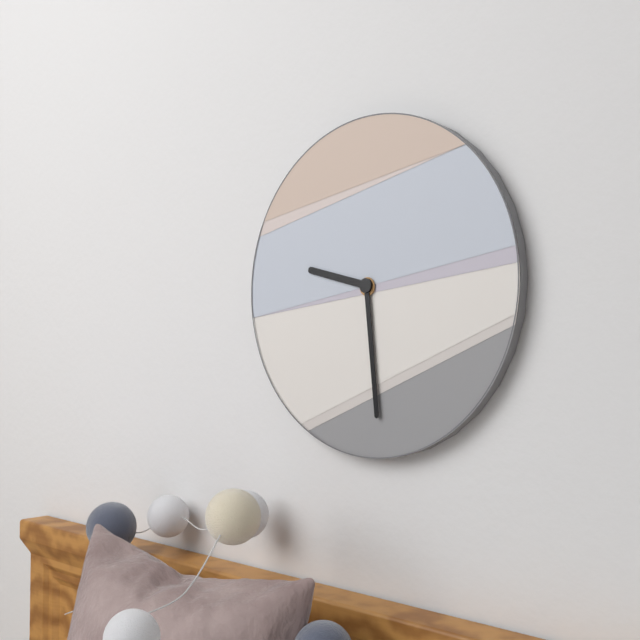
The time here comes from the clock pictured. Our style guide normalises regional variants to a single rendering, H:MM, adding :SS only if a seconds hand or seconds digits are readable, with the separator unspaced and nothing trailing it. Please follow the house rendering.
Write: 9:29
